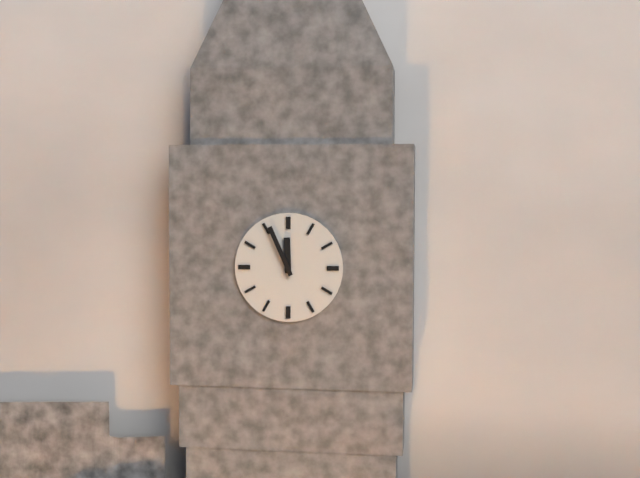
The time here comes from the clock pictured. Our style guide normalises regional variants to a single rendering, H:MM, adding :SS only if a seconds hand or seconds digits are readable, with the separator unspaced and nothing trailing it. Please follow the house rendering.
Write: 11:56
